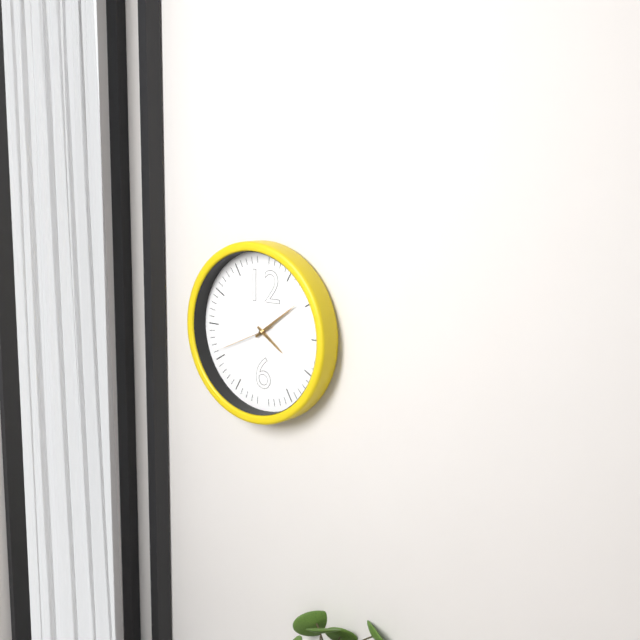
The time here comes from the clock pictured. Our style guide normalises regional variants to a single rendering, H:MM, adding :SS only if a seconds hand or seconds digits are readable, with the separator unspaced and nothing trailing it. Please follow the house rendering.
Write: 4:09:41
